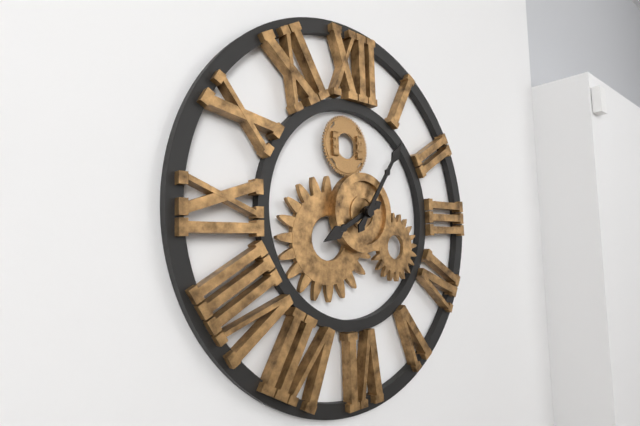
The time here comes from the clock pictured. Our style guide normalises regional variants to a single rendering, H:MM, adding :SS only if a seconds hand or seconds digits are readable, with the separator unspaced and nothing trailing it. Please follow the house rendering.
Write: 8:06
